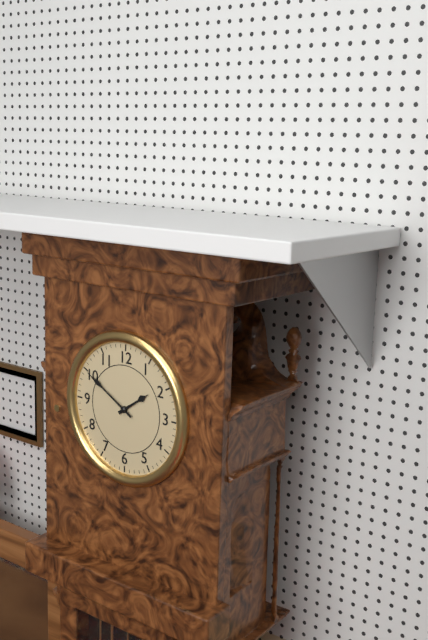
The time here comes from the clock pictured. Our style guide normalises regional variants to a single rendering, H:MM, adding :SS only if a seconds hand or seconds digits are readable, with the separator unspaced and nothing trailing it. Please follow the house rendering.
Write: 1:50
